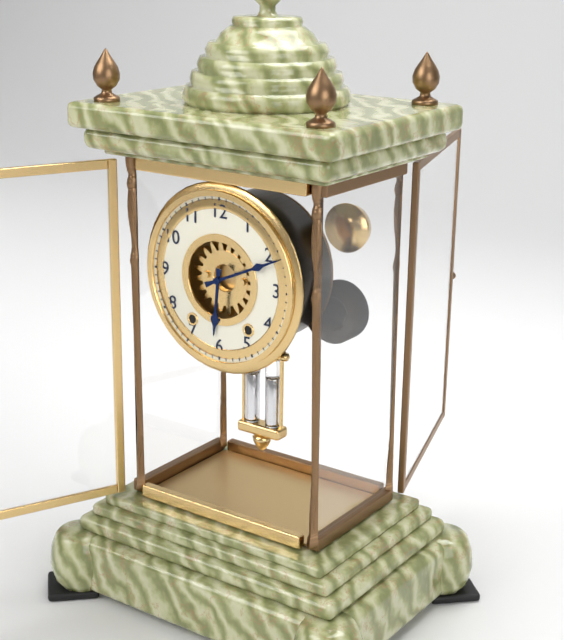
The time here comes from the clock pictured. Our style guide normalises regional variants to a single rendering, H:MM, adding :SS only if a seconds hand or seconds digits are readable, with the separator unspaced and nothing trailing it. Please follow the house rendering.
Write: 6:11
